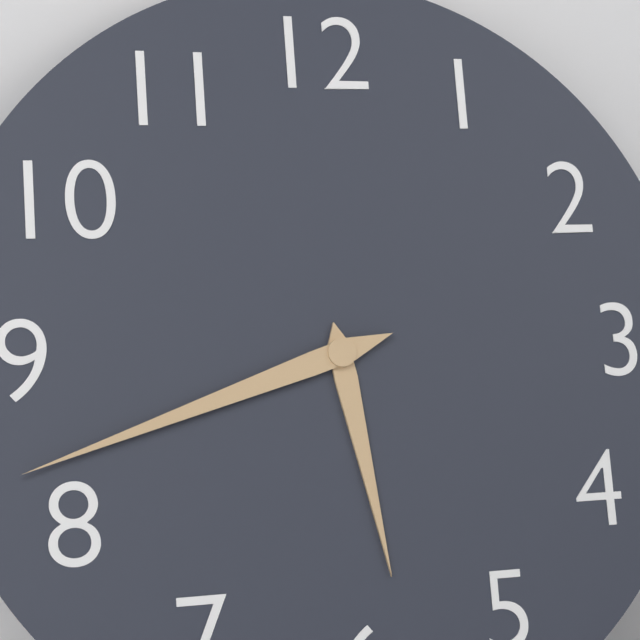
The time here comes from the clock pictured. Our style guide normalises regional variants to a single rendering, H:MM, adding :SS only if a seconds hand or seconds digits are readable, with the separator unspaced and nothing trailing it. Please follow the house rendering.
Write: 5:42
